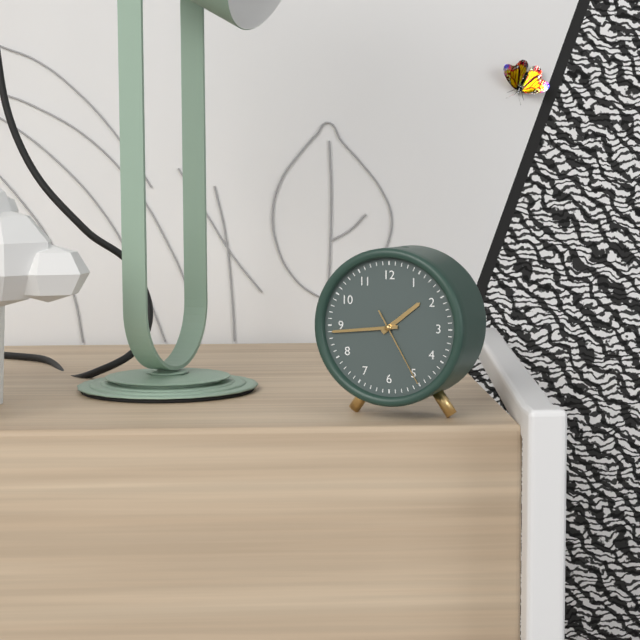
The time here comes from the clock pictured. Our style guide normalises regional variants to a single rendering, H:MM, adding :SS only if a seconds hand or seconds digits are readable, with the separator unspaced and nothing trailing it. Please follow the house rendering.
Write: 1:44:25
